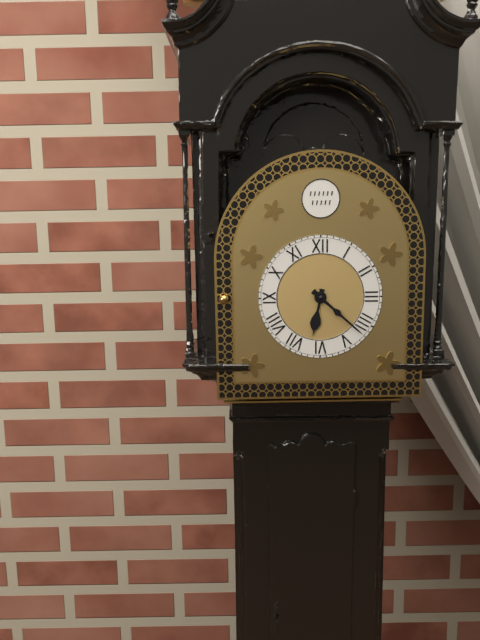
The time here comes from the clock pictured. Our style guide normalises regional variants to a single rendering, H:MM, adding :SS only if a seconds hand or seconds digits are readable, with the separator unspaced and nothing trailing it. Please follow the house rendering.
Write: 6:22
